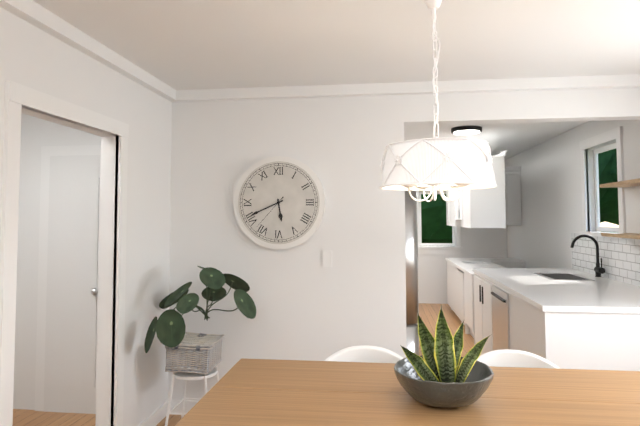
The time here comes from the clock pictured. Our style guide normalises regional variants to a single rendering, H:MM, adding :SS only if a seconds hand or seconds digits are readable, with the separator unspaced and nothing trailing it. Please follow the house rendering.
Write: 5:41
